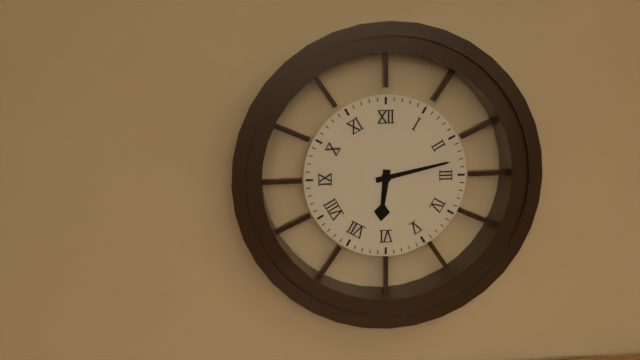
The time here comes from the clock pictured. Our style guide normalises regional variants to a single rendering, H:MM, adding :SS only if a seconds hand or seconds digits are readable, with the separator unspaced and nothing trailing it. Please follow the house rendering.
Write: 6:13
